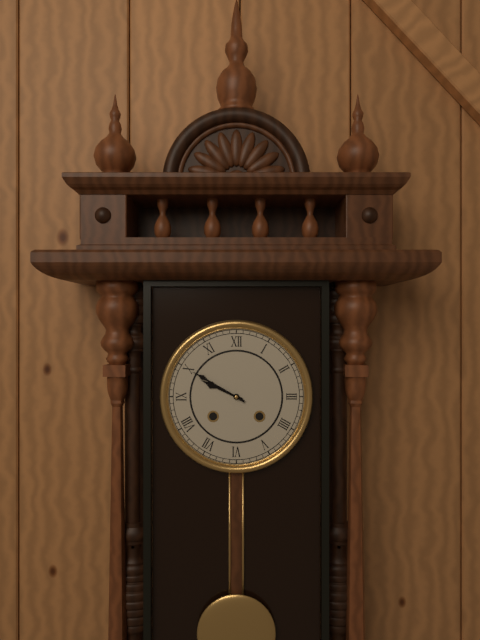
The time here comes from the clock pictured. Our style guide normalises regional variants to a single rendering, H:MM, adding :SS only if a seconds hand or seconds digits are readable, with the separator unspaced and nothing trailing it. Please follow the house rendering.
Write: 9:50
